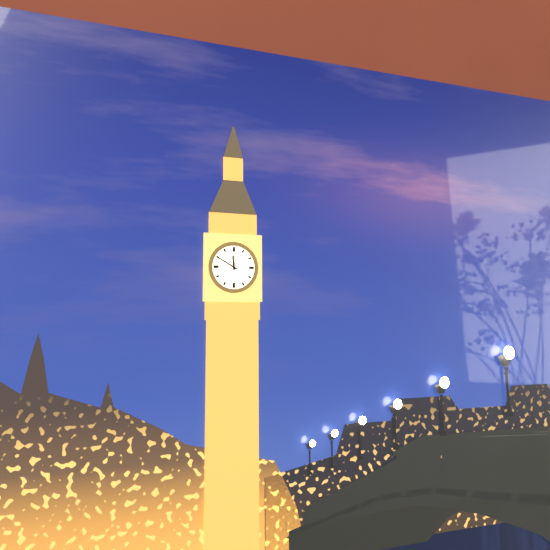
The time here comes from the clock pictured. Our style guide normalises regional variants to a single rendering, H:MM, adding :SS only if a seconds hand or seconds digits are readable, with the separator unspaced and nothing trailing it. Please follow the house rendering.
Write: 11:50
